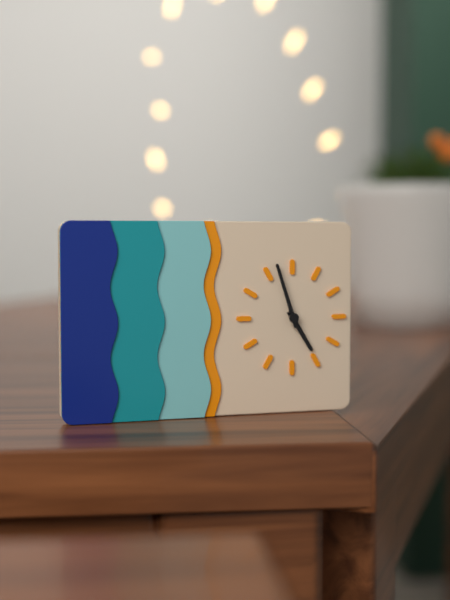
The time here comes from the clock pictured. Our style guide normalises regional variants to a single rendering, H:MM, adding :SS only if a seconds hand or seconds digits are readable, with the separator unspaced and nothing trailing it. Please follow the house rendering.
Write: 4:57
